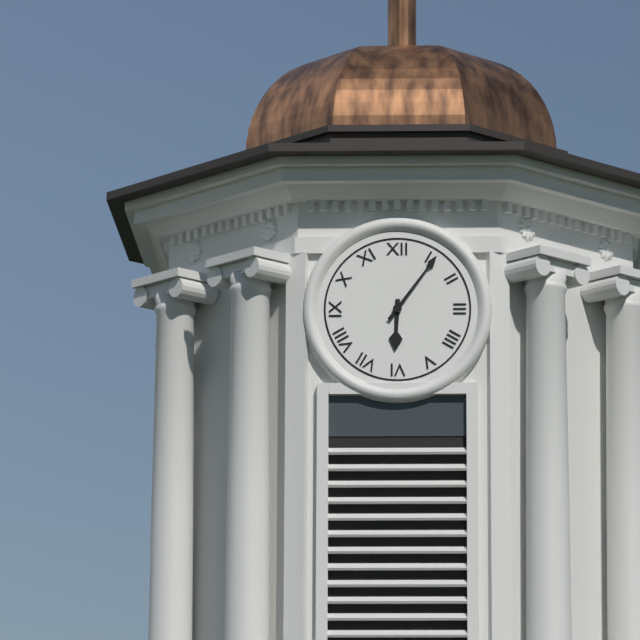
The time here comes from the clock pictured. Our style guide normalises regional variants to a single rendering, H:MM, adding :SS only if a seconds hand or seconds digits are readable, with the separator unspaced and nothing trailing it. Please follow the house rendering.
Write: 6:06
